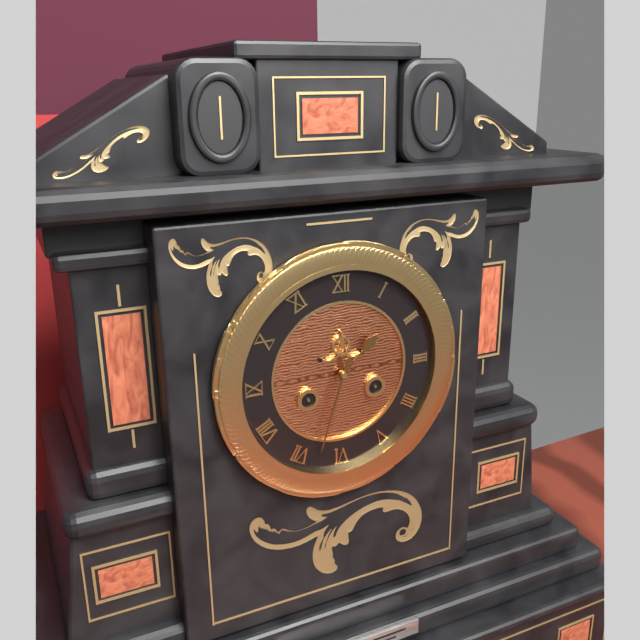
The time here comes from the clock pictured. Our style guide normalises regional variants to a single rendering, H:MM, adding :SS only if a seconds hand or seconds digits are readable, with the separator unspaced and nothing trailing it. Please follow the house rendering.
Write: 1:33
